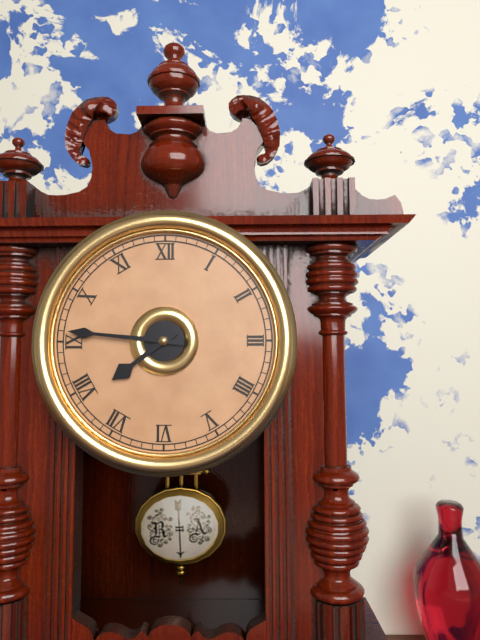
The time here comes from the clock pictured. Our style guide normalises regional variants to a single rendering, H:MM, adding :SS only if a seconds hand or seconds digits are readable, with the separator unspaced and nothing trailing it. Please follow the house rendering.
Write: 7:46
